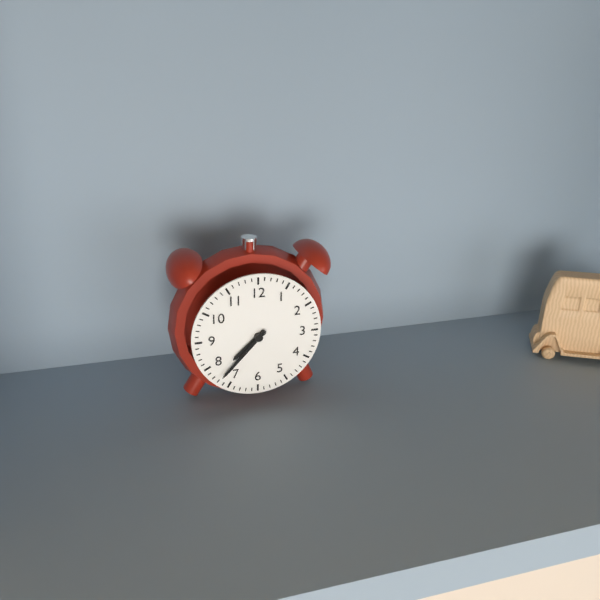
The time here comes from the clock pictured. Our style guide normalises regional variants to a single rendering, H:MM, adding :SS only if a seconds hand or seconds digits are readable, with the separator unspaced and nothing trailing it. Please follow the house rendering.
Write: 7:37
